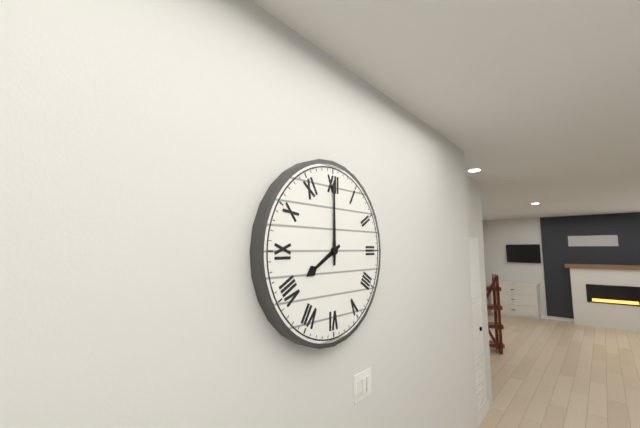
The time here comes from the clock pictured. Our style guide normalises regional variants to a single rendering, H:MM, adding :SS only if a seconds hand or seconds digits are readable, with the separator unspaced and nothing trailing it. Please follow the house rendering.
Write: 8:00
